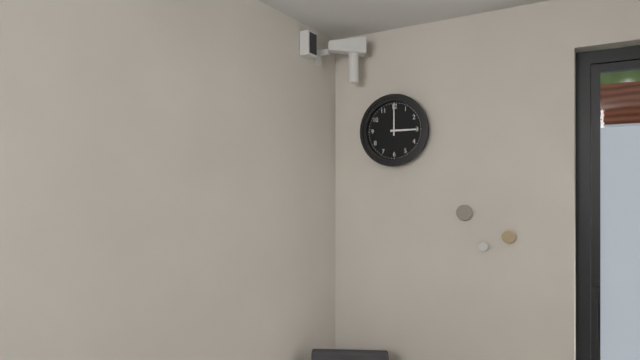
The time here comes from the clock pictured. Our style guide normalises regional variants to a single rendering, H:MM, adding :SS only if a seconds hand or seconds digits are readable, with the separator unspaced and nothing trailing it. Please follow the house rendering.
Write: 3:00
